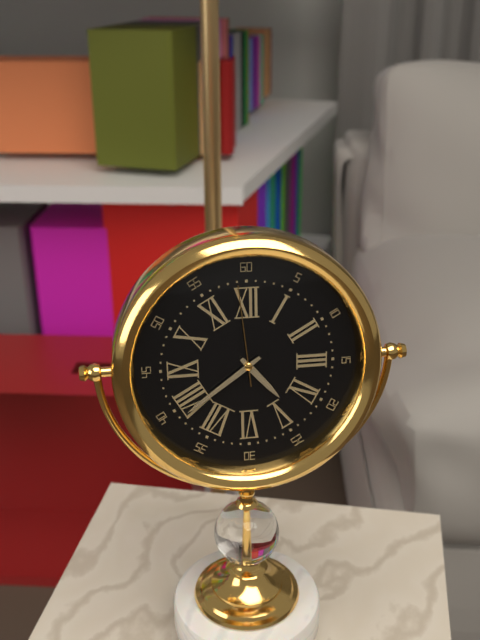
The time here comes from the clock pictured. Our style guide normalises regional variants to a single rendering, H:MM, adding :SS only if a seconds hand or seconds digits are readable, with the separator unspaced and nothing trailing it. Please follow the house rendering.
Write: 4:39:59
